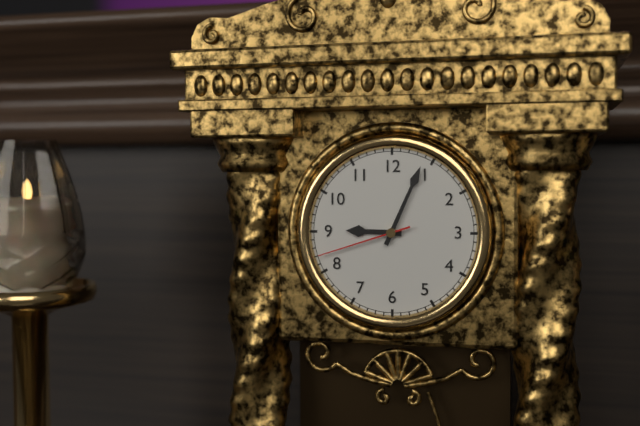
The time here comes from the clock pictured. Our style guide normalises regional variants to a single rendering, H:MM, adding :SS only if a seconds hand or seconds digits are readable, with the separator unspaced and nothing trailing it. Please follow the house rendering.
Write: 9:04:42
